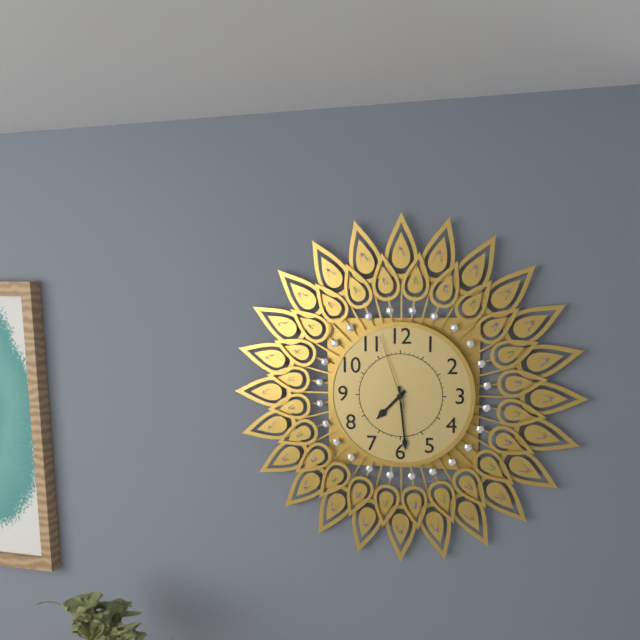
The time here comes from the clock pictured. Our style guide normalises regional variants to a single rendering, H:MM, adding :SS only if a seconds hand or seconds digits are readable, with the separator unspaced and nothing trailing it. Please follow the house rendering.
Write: 7:29:57
